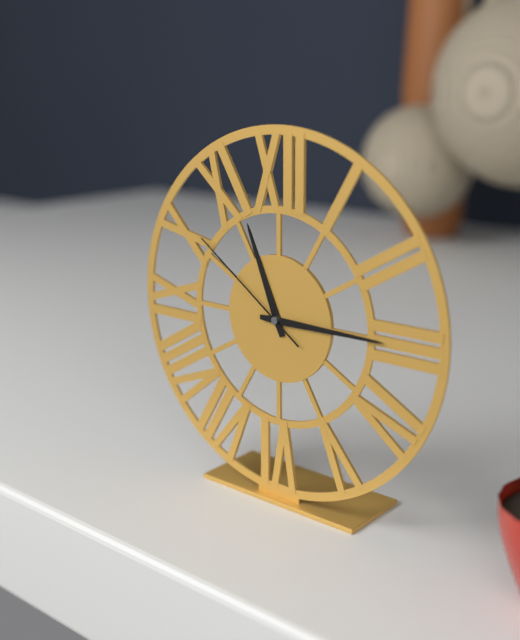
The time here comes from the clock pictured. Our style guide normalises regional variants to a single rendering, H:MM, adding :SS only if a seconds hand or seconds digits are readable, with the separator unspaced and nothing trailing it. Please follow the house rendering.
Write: 11:15:51
